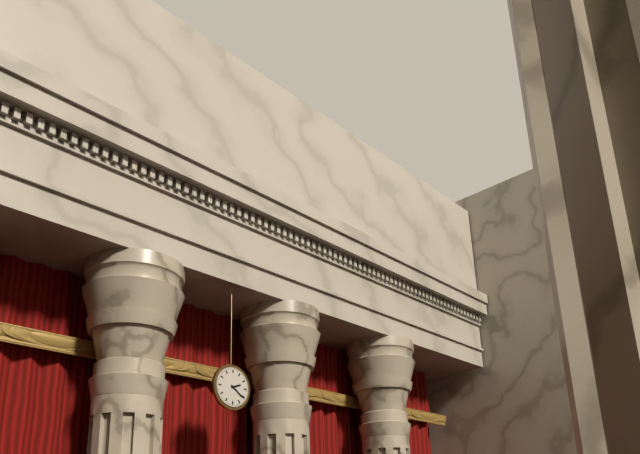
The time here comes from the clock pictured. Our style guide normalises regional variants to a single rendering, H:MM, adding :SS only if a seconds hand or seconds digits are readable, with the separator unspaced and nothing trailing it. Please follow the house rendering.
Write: 2:21
